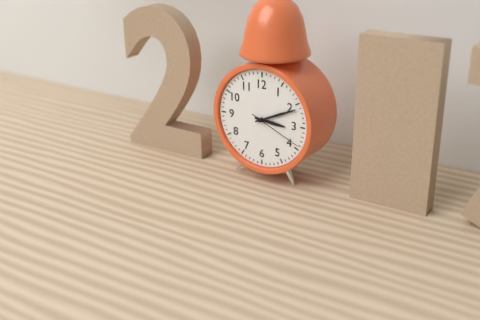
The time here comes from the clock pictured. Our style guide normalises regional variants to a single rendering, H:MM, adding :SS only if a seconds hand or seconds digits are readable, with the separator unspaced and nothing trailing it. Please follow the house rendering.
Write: 3:11:19
